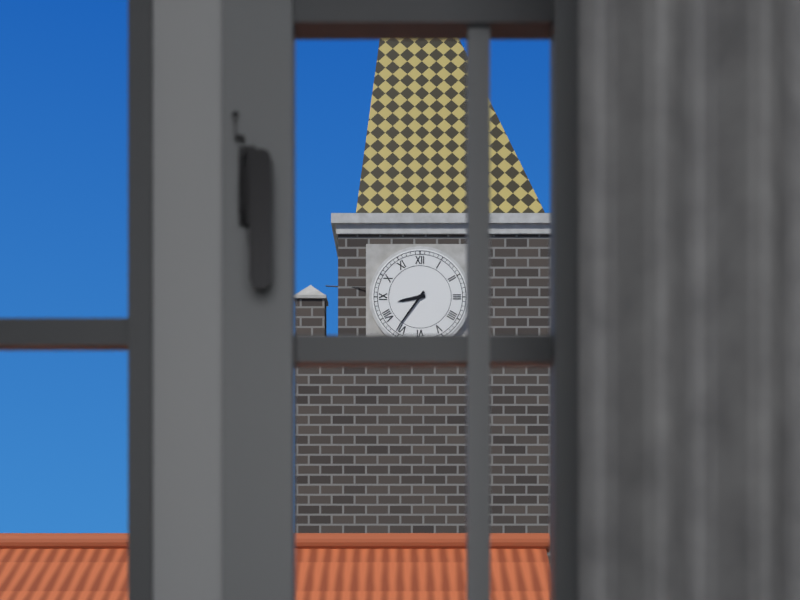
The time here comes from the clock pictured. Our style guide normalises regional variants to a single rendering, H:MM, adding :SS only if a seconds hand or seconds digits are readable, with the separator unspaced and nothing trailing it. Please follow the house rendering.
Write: 8:36
